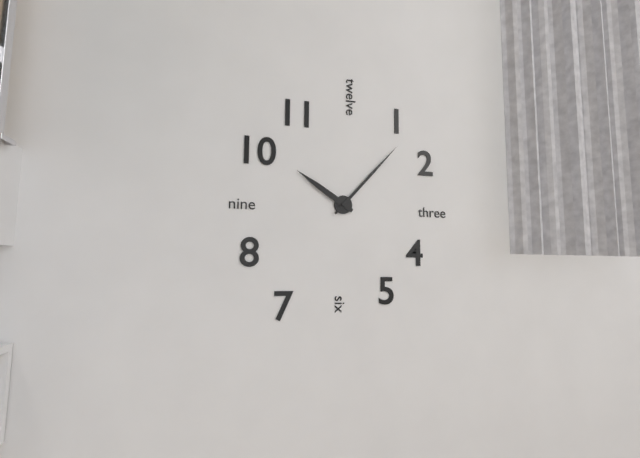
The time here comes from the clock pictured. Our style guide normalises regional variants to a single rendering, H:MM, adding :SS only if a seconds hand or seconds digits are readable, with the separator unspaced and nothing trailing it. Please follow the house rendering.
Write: 10:07
